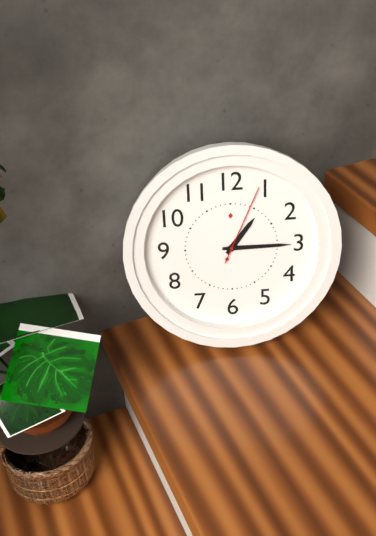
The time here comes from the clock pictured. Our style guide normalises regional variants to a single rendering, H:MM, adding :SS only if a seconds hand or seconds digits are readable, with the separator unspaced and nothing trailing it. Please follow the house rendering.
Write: 1:15:04
